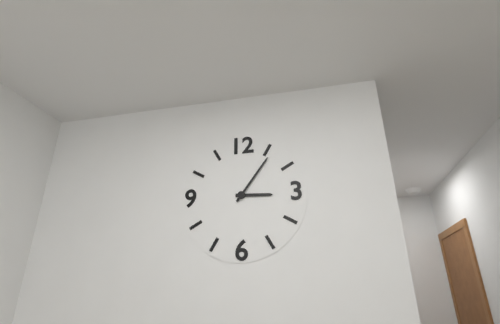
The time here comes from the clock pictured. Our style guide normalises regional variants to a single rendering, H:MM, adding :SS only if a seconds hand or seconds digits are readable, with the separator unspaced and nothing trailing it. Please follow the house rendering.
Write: 3:06
